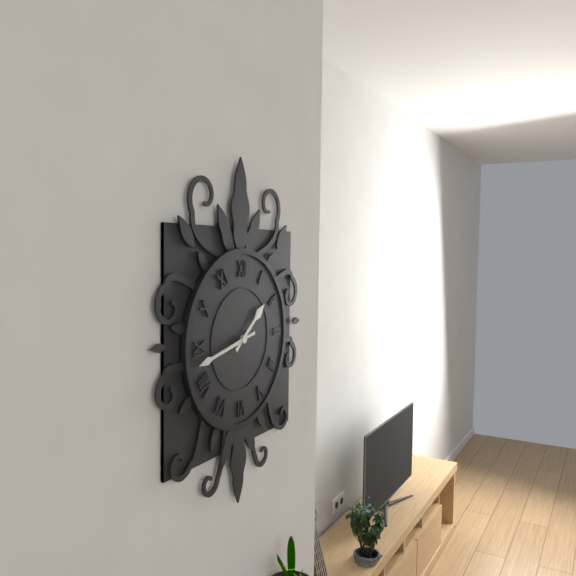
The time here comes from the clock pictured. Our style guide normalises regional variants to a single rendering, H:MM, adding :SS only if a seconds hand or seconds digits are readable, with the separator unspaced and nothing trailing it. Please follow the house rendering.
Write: 1:43
